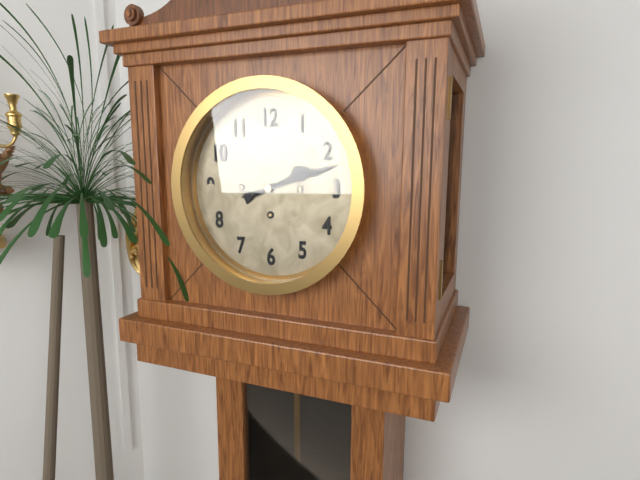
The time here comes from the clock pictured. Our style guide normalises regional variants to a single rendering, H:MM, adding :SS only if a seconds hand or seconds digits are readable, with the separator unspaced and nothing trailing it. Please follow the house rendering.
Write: 2:12
